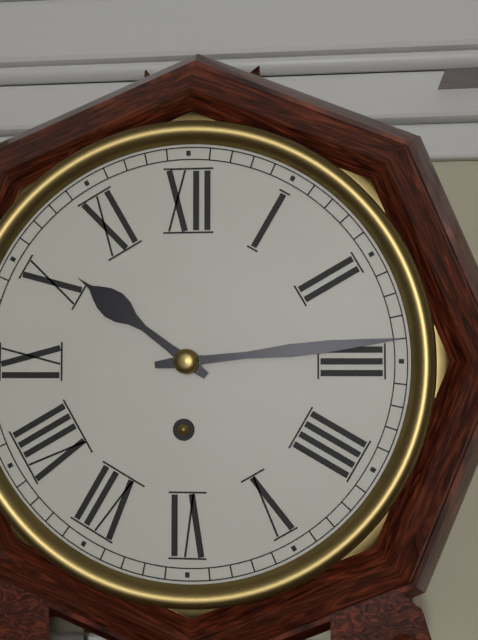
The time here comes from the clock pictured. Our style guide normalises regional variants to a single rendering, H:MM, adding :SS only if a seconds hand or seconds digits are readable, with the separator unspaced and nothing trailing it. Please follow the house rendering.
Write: 10:14
